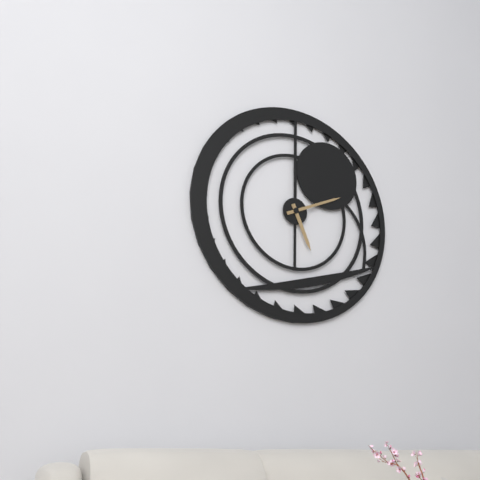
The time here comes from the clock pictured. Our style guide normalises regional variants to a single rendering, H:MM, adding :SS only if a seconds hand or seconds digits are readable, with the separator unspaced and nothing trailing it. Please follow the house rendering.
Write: 5:11
